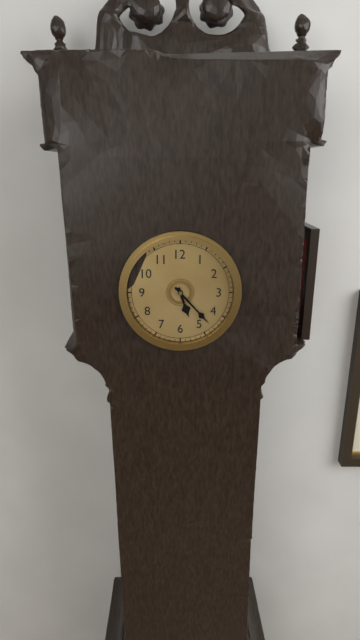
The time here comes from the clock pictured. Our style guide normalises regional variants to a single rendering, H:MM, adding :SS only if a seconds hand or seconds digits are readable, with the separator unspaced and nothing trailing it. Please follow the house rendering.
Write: 5:23
